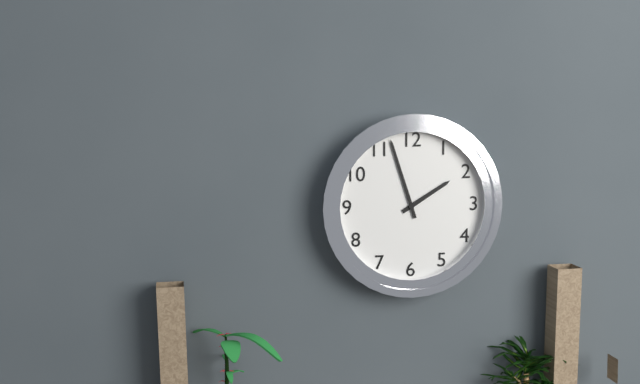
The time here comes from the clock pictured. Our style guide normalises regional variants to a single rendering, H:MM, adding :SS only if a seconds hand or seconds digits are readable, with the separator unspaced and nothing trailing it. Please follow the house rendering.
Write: 1:57
